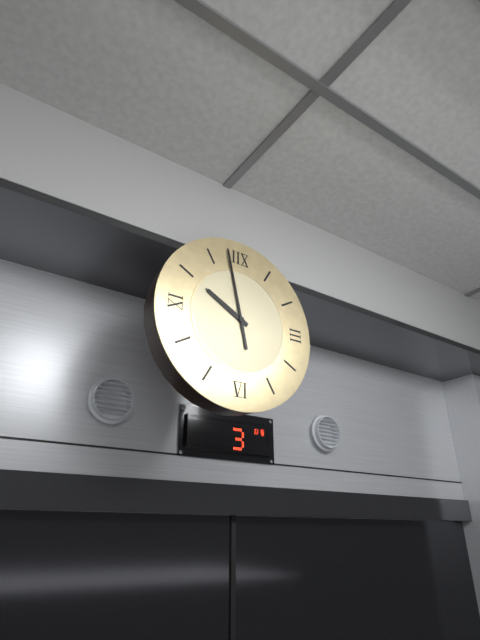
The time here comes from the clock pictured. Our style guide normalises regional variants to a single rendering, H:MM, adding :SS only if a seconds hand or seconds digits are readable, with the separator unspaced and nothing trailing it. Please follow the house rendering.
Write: 9:58
